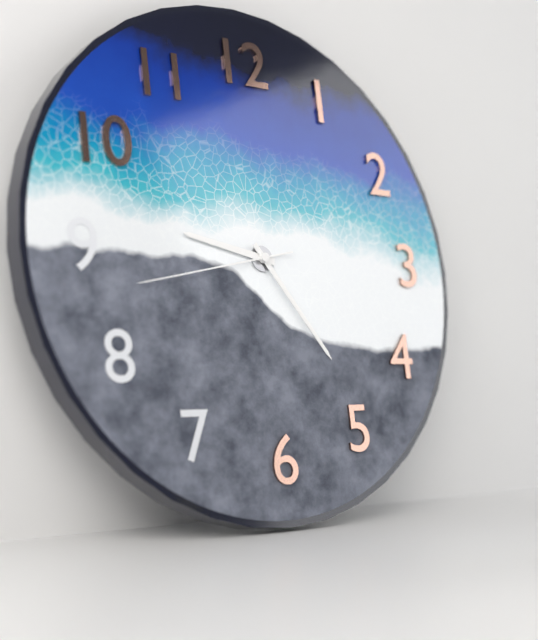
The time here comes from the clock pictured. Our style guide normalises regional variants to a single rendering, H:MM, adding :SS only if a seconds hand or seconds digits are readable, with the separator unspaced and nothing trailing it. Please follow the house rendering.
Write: 9:24:43
